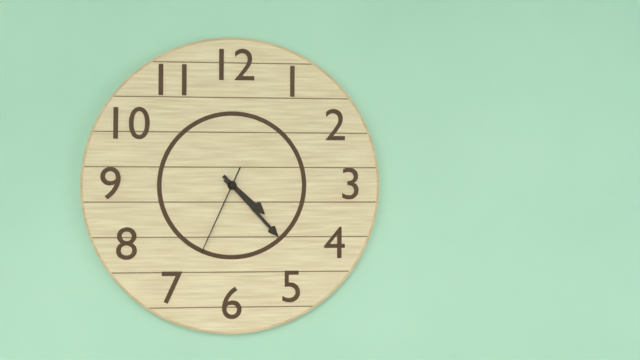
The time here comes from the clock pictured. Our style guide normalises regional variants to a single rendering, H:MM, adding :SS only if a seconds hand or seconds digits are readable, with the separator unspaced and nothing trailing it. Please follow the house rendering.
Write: 4:23:34
